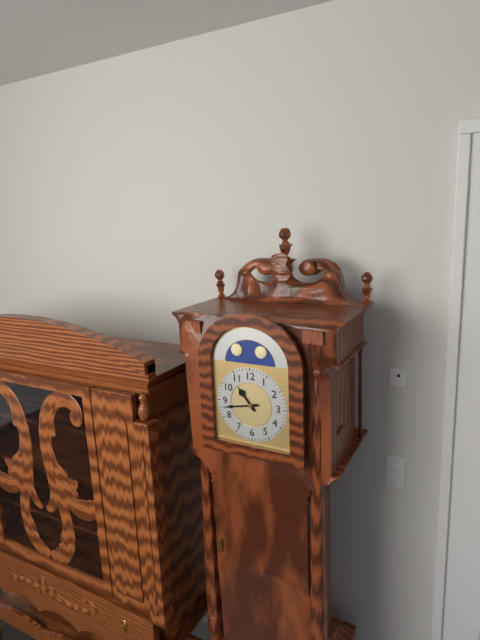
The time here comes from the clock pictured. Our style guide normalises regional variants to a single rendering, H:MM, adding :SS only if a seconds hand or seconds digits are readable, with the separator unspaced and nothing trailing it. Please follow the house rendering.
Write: 10:43
